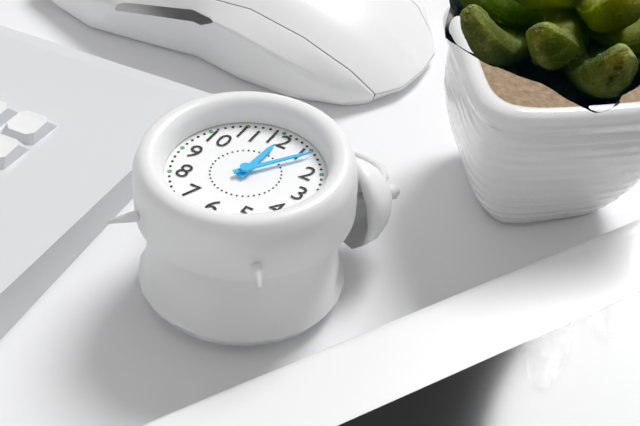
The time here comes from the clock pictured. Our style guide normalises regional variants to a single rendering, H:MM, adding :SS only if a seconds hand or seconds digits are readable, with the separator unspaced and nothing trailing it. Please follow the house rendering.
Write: 12:06
